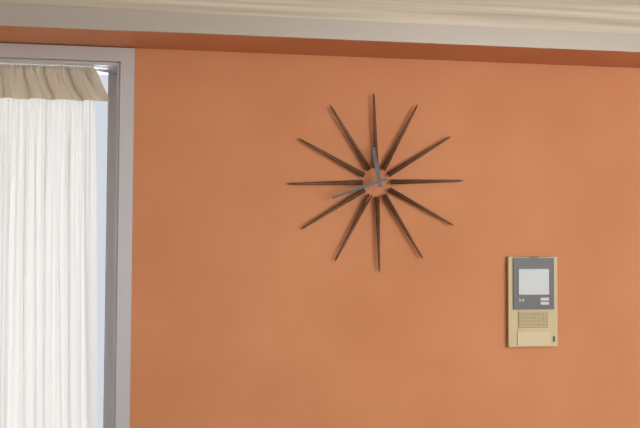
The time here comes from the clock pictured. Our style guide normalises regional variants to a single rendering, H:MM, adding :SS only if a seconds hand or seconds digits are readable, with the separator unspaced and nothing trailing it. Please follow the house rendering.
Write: 11:42
